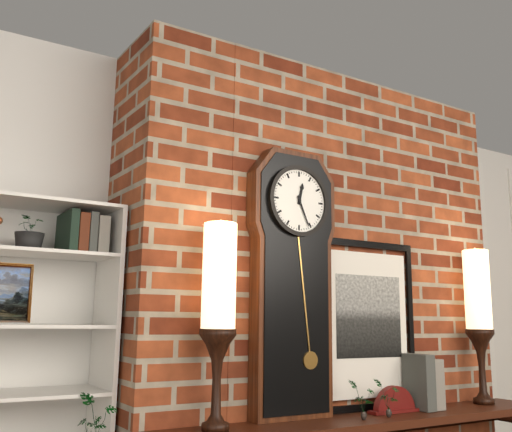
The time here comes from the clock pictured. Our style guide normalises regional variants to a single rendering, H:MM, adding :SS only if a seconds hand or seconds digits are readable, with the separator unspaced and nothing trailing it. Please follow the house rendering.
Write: 12:26
